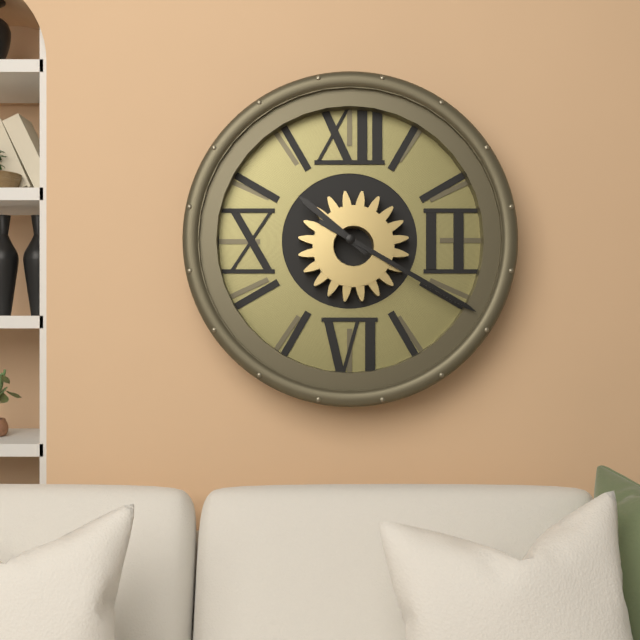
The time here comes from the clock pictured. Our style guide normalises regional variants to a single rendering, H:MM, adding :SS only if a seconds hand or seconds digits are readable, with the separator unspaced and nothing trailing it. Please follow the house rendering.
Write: 10:20
